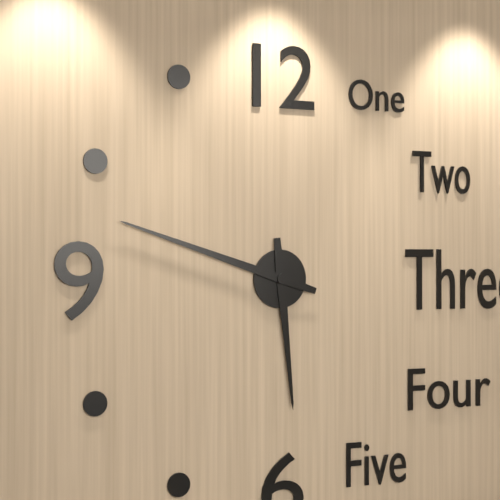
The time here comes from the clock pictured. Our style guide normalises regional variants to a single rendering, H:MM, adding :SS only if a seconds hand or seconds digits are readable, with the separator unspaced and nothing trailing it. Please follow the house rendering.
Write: 5:48
